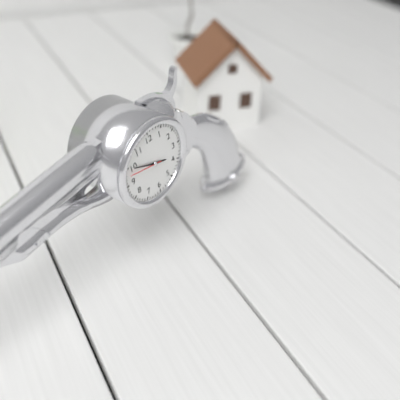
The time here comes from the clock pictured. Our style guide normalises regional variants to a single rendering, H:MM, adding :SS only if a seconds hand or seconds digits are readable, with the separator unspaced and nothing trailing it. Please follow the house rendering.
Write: 3:50
